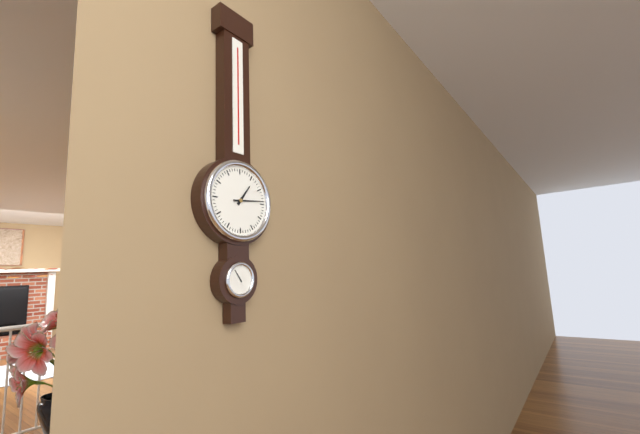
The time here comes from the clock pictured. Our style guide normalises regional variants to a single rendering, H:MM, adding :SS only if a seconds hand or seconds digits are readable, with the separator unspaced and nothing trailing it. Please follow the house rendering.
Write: 1:14
